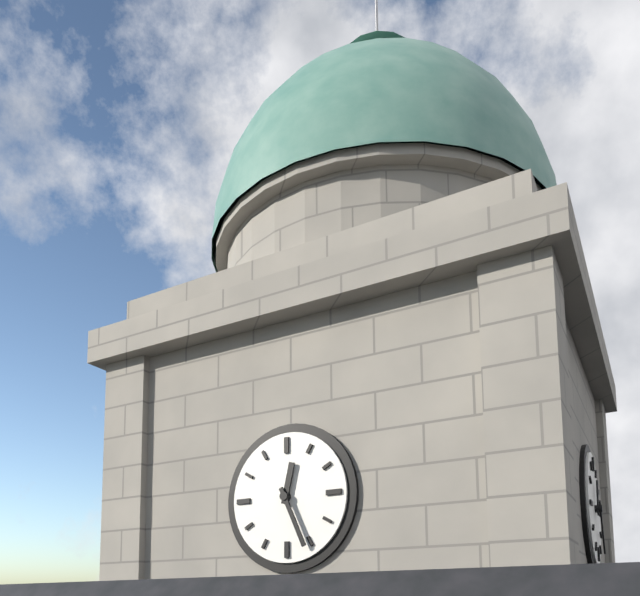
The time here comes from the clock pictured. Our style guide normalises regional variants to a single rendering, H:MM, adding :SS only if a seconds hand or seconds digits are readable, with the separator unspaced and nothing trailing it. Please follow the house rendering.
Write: 12:26
